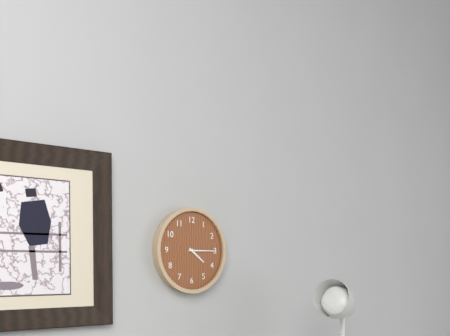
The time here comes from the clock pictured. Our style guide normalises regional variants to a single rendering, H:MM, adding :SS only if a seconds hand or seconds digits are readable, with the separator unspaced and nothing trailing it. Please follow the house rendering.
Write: 4:15
